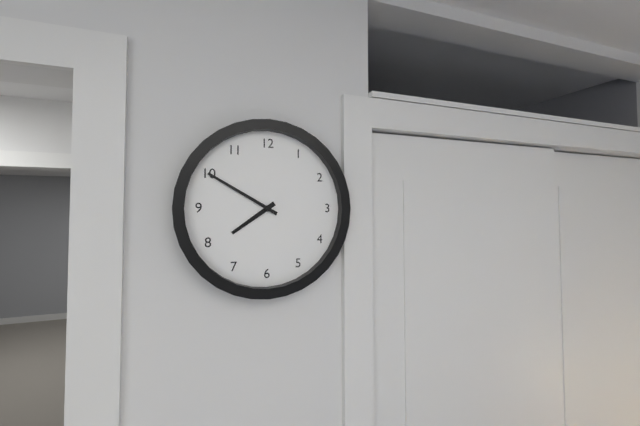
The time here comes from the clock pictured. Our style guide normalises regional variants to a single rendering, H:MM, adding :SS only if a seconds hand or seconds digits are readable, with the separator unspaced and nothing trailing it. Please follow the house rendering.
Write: 7:50
